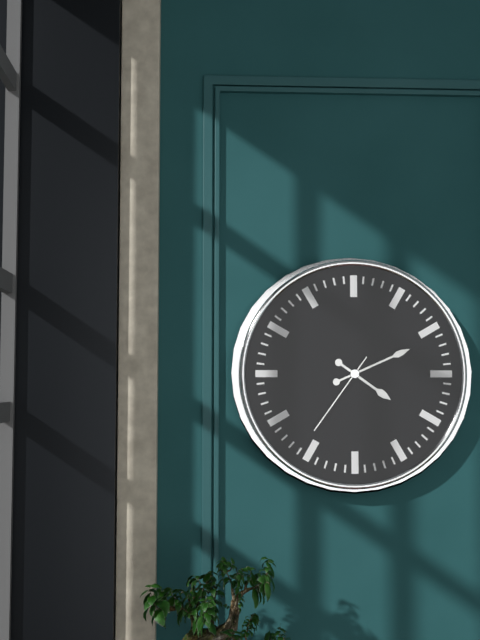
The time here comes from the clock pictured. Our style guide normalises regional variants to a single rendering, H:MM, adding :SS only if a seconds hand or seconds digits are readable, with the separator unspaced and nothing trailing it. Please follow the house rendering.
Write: 4:11:36
